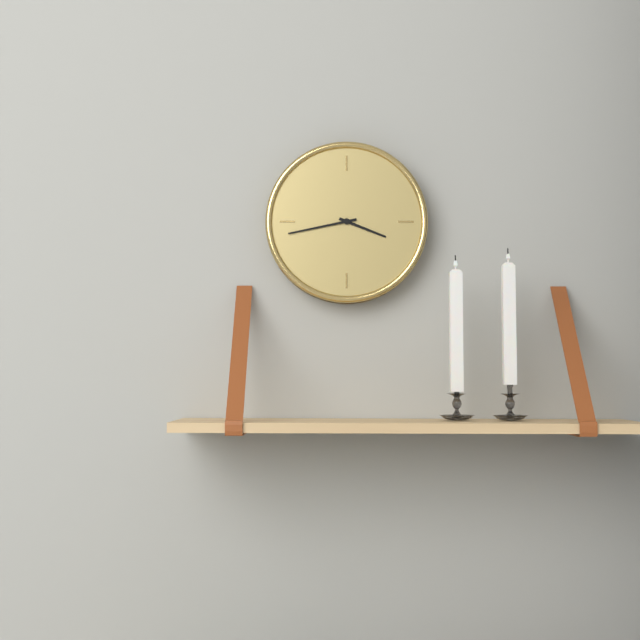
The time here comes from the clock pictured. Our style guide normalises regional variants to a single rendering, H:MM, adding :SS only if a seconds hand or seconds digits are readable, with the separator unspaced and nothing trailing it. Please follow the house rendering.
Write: 3:43
